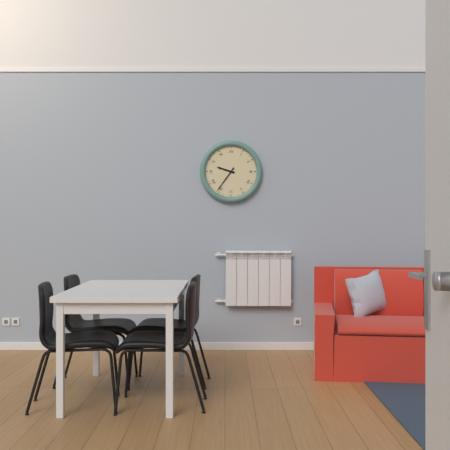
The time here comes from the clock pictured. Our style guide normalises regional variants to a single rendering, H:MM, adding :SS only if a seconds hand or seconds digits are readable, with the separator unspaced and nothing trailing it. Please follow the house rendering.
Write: 9:36
